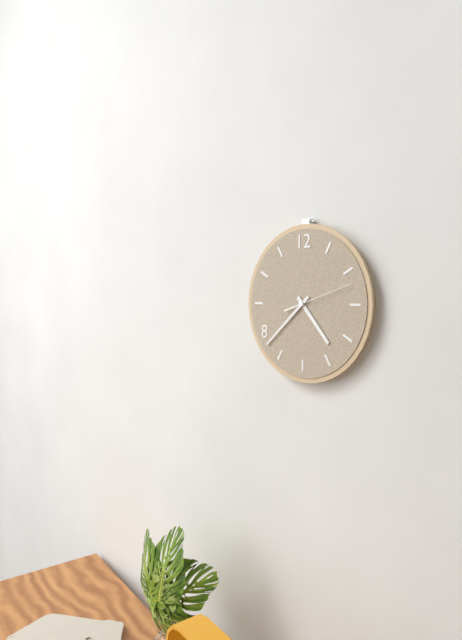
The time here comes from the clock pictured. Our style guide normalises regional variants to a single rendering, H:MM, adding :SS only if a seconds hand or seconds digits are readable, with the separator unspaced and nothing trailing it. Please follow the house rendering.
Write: 4:38:12
